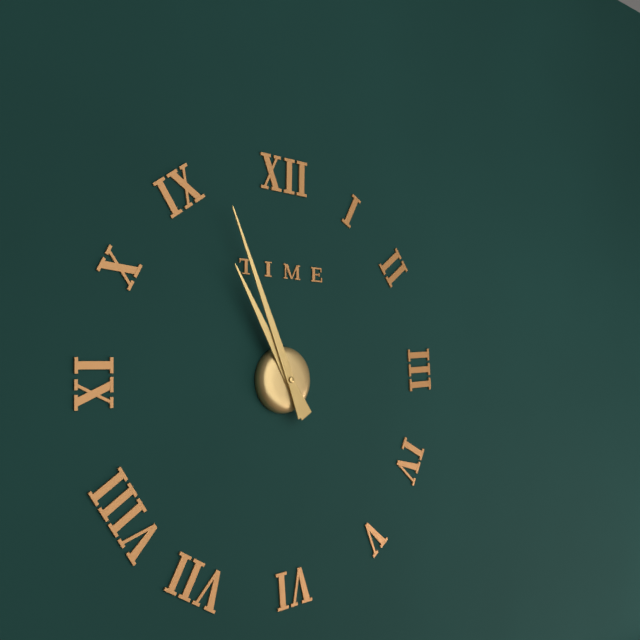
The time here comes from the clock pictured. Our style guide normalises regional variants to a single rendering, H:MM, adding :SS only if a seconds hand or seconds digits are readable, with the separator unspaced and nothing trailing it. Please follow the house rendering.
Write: 10:56
